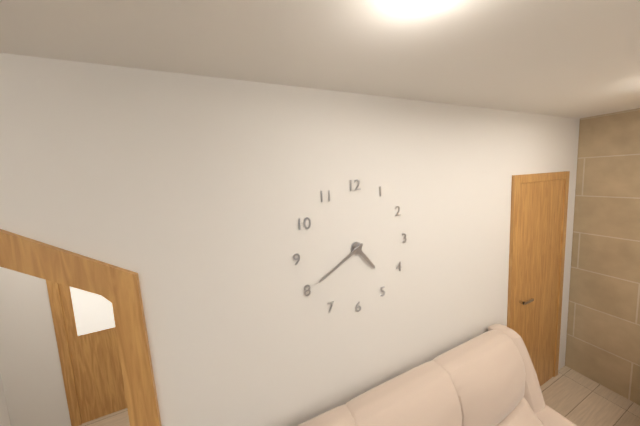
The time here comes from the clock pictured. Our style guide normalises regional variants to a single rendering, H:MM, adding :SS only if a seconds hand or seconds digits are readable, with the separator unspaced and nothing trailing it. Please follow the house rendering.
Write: 4:40
